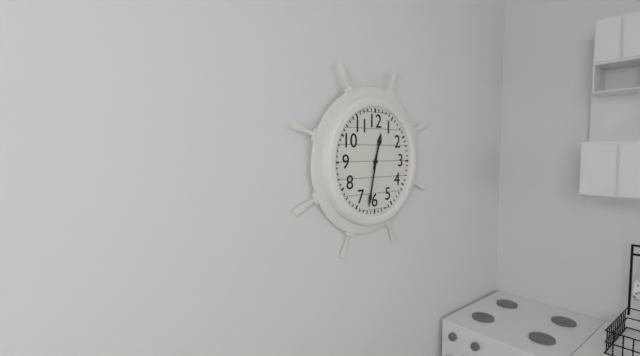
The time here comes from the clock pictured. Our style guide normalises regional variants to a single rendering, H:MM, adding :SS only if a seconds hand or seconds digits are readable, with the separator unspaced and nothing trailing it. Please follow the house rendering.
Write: 12:32
